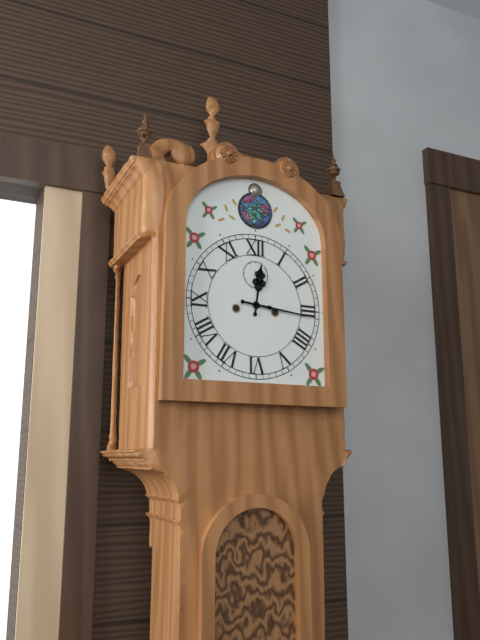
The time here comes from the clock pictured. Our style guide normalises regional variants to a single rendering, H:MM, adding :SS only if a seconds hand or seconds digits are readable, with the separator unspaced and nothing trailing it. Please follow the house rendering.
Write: 12:16
